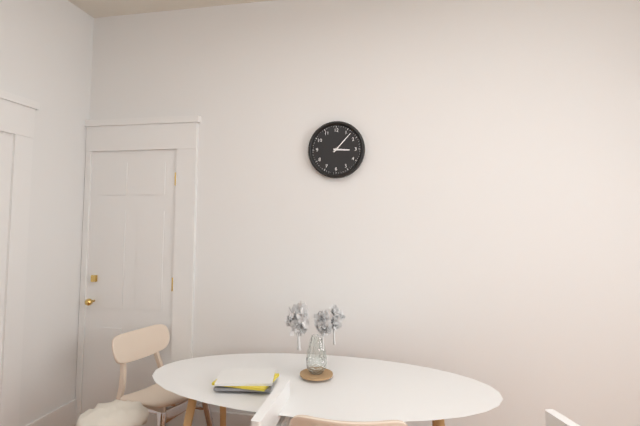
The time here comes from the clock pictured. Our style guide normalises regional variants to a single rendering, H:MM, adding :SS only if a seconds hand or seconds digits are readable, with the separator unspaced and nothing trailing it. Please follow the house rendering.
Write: 3:07
